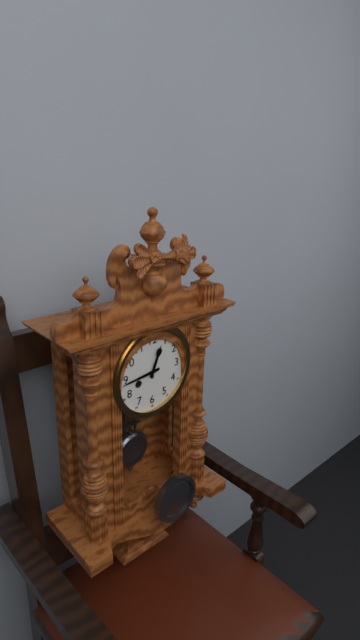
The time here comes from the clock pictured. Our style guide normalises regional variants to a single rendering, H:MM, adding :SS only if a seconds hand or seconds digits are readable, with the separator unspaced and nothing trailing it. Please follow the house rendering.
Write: 12:44
